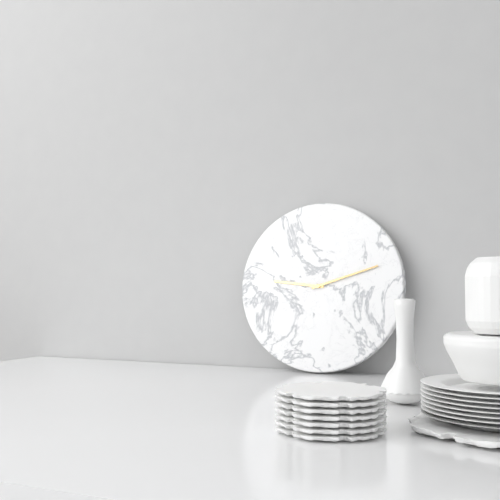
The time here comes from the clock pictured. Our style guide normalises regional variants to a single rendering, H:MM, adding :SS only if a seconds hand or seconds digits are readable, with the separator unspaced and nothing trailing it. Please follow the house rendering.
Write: 9:12
